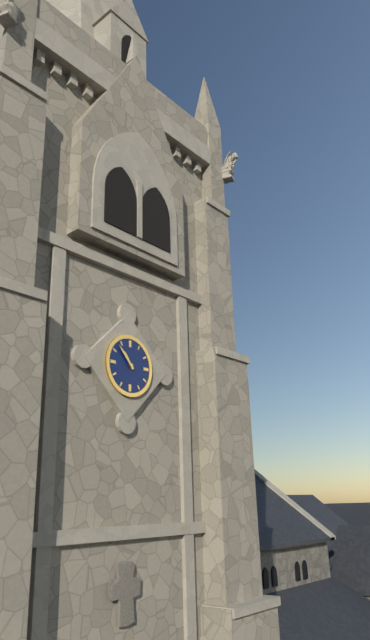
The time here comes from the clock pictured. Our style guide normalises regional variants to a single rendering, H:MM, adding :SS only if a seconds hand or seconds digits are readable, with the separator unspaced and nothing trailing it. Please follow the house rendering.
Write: 10:53
